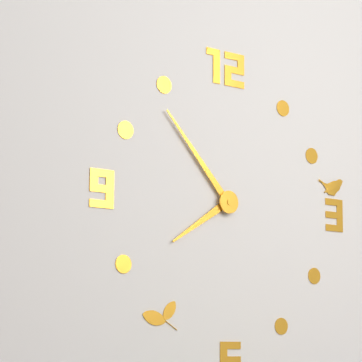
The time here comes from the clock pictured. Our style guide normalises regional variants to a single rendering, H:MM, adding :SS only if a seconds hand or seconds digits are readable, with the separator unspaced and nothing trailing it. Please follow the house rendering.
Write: 7:53
